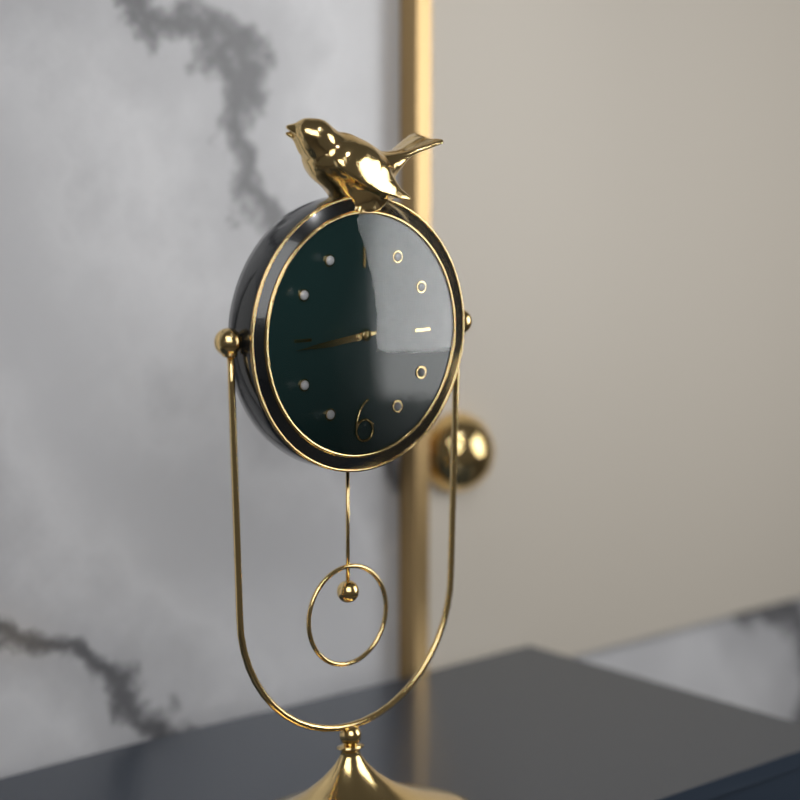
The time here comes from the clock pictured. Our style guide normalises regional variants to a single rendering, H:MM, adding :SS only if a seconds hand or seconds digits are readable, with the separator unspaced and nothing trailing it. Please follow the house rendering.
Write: 8:44
